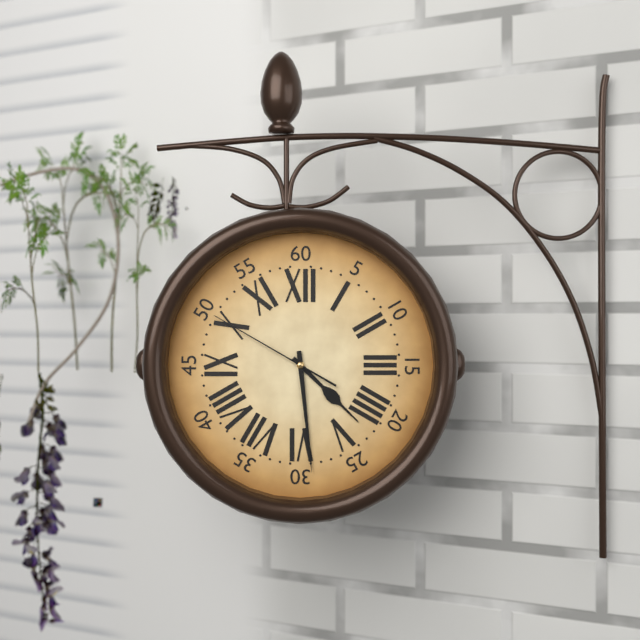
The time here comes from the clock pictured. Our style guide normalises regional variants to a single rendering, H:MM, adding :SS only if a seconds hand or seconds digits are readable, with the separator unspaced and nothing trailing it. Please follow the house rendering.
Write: 4:29:50
